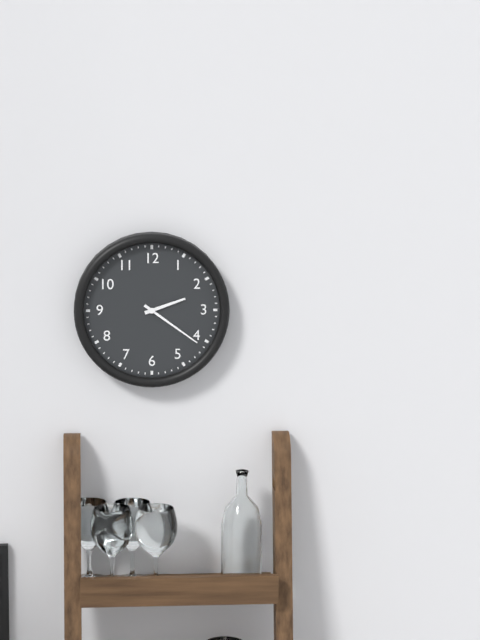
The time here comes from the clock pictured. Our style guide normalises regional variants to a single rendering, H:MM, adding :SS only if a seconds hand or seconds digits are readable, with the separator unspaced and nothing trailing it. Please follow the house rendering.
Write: 2:21
